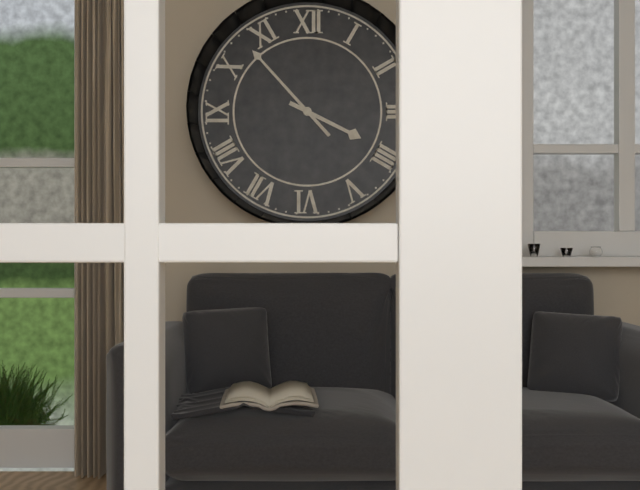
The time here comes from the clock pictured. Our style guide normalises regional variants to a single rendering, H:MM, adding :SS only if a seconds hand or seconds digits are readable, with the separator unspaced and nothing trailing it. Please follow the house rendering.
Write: 3:53
